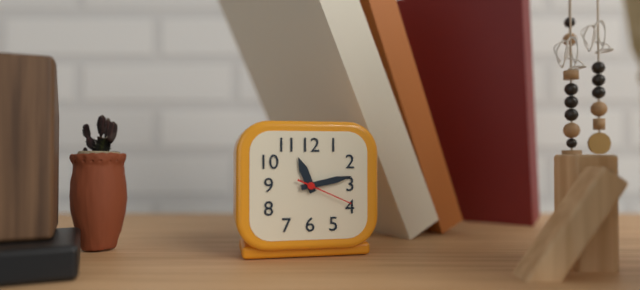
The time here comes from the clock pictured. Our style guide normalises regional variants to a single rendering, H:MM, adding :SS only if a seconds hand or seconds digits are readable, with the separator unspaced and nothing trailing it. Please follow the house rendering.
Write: 11:13:19
